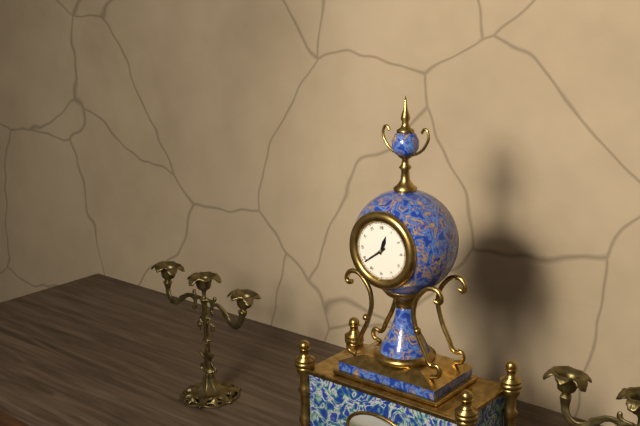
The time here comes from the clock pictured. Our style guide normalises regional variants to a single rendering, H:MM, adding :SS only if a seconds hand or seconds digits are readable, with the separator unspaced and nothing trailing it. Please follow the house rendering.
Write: 12:39
